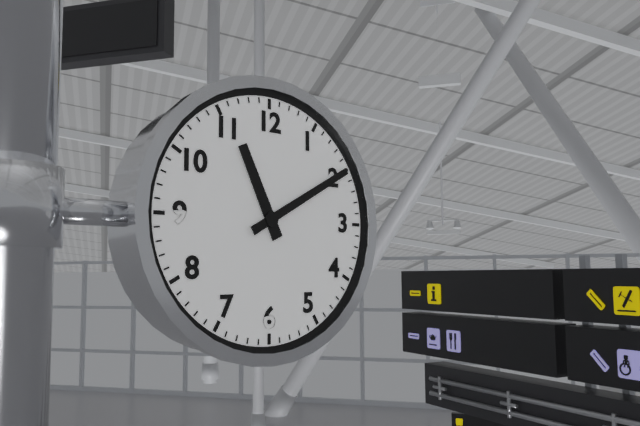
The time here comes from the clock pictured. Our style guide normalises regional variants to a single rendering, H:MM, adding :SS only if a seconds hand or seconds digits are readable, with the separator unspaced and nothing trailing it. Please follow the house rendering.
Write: 11:10
